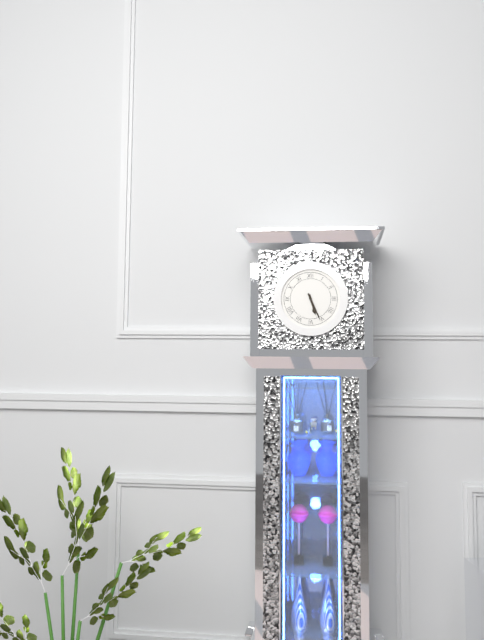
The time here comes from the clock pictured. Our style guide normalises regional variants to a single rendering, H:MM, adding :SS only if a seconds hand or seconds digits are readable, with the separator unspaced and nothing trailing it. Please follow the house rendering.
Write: 5:26
